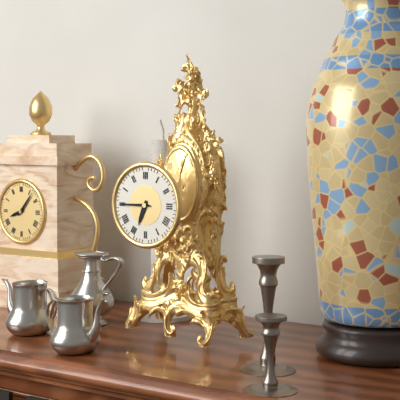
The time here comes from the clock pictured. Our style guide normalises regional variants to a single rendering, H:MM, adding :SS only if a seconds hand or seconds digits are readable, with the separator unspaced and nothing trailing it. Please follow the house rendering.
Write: 6:45
